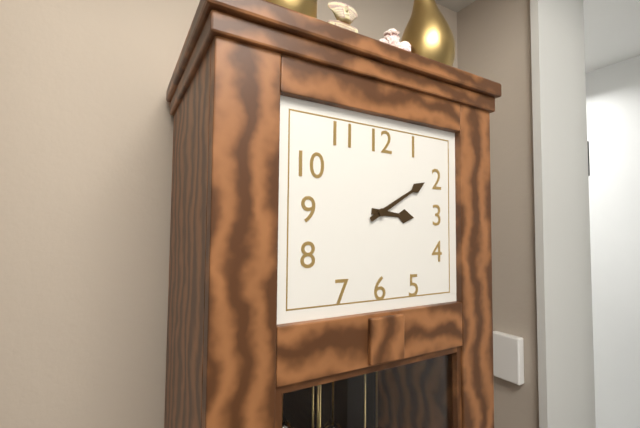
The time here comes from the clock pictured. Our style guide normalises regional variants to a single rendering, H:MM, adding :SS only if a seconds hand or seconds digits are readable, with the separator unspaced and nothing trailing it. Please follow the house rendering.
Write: 3:10
